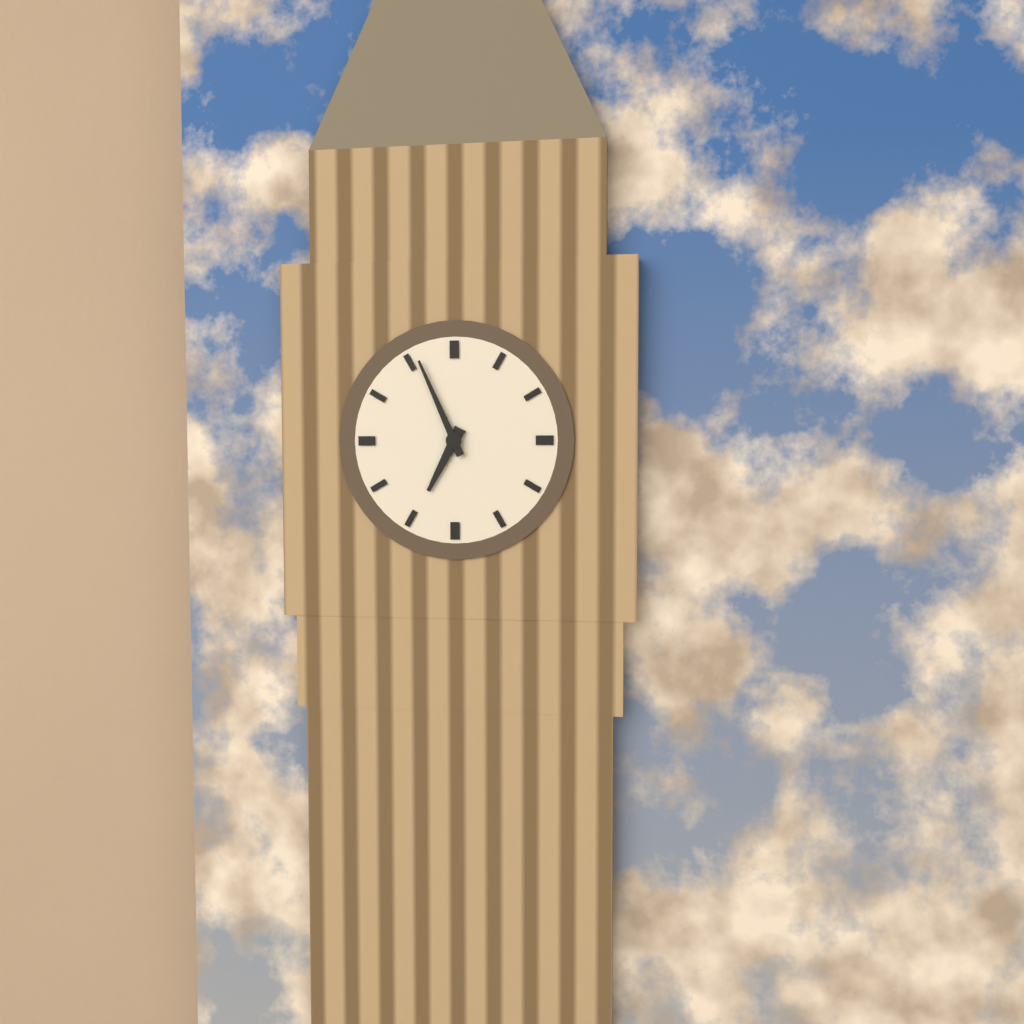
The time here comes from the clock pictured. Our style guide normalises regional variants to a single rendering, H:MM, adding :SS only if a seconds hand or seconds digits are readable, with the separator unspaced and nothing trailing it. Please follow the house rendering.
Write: 6:56
